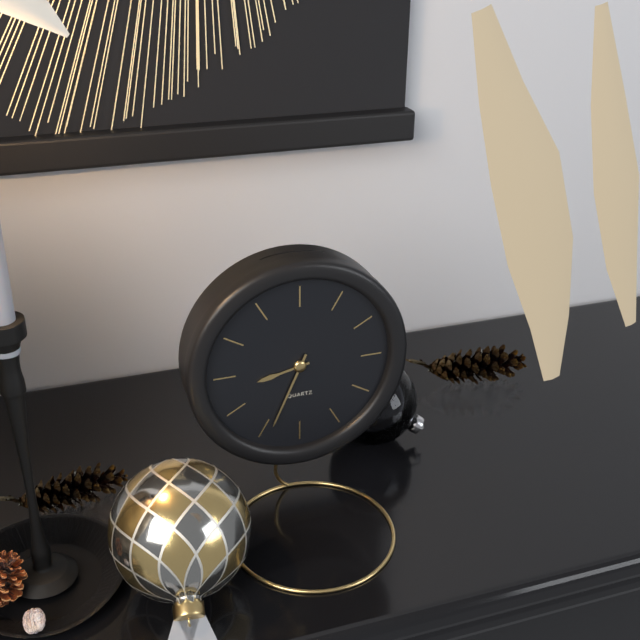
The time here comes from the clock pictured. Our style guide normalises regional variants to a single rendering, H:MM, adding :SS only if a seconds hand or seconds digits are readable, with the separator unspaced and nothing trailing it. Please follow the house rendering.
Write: 8:34
